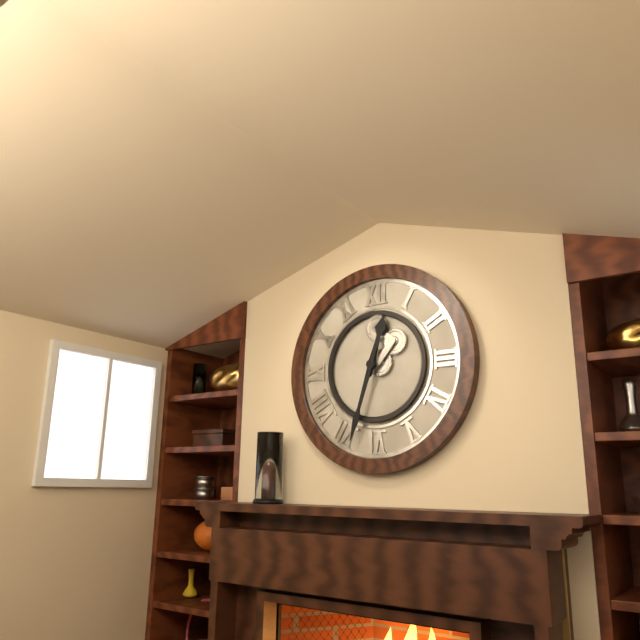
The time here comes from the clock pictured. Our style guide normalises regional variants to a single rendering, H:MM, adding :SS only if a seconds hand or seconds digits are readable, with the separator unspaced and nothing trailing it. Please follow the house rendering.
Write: 12:33
